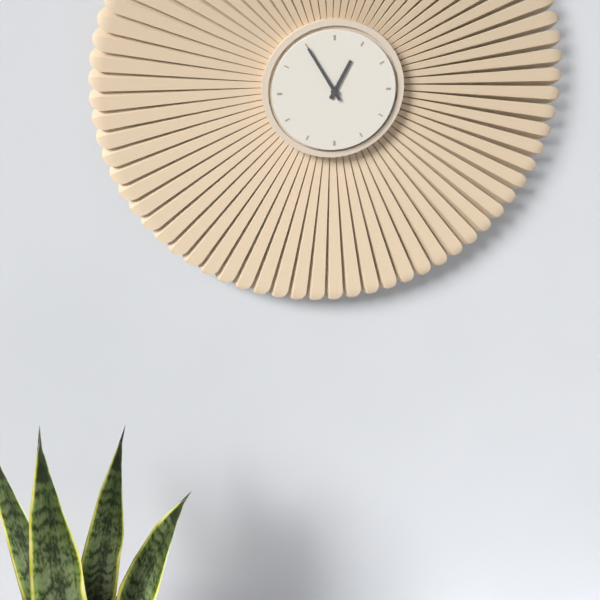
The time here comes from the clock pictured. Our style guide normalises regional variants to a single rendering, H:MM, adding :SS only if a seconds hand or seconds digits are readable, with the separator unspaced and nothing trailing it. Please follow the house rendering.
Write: 12:55
